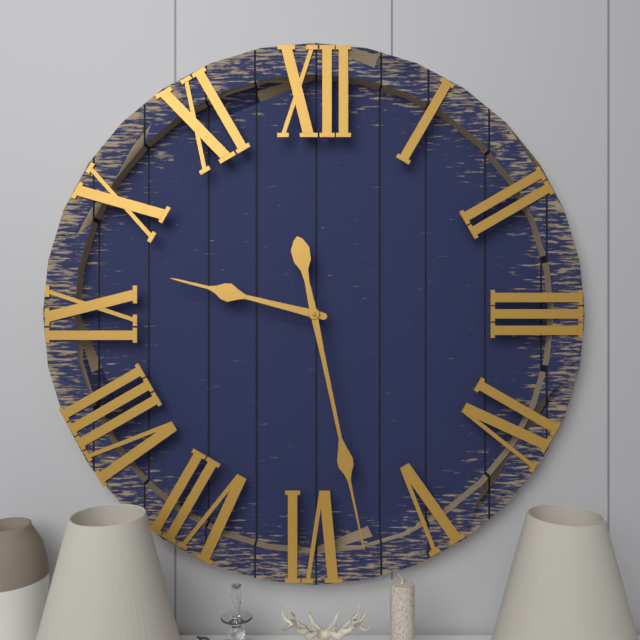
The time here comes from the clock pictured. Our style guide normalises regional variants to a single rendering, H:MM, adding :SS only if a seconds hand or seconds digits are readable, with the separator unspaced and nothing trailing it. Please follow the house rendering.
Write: 9:28
